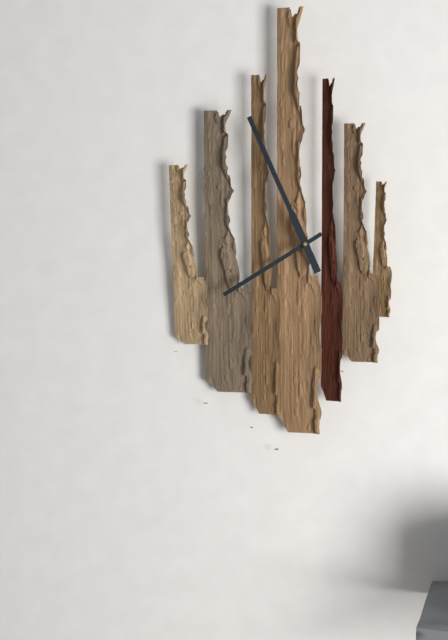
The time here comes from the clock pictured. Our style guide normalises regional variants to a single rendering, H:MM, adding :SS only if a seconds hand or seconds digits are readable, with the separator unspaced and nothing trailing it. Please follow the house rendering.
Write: 7:56
